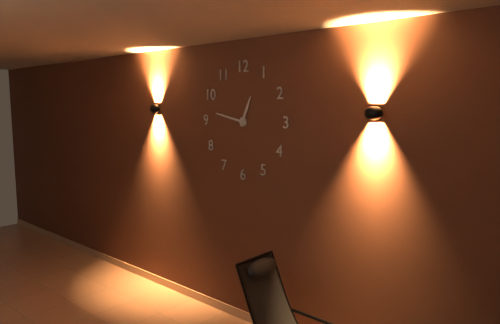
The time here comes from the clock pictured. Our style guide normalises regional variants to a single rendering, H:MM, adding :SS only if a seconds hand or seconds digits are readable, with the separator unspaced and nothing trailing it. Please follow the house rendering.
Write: 12:47
